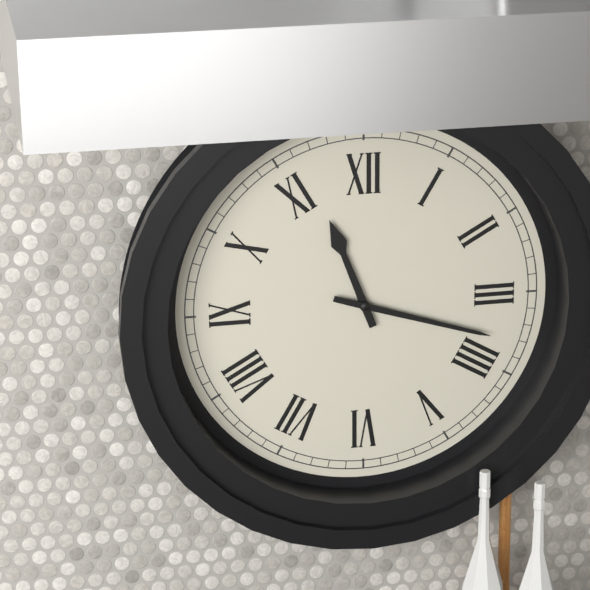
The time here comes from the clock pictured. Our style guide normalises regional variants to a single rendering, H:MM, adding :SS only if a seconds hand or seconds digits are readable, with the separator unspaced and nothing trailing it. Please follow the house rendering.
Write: 11:18
